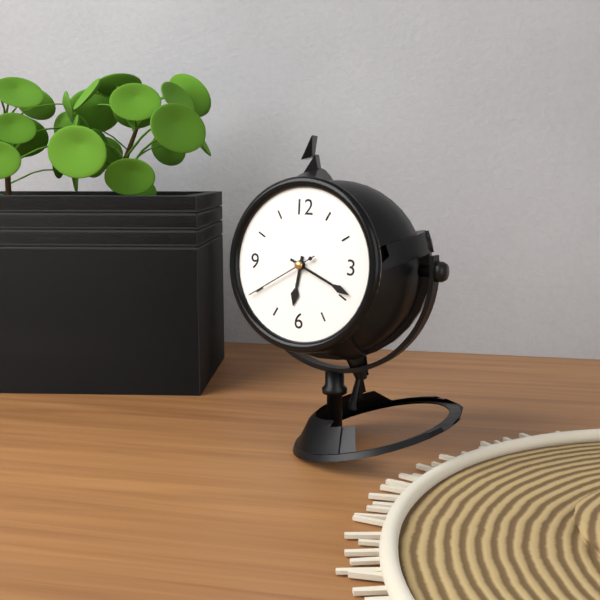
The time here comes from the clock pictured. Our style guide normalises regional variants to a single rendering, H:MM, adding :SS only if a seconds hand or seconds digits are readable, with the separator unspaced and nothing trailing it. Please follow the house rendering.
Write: 6:19:40
